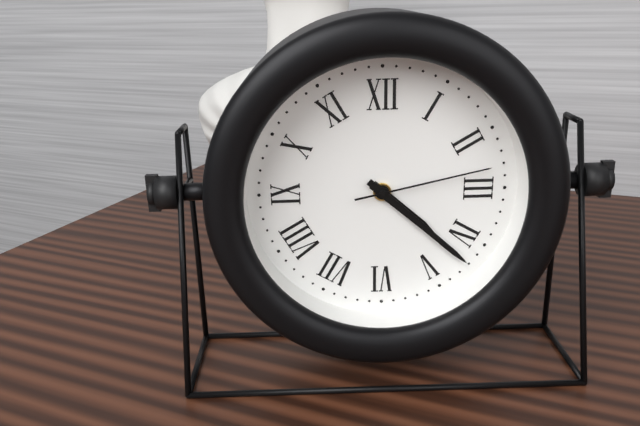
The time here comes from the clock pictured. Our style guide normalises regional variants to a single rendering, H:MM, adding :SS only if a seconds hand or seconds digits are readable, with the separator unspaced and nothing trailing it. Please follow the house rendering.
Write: 4:22:13
